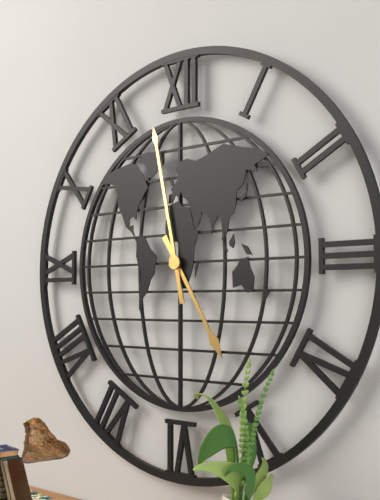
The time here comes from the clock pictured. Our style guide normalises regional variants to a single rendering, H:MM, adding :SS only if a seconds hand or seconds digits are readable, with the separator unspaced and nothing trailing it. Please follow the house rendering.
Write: 4:58
